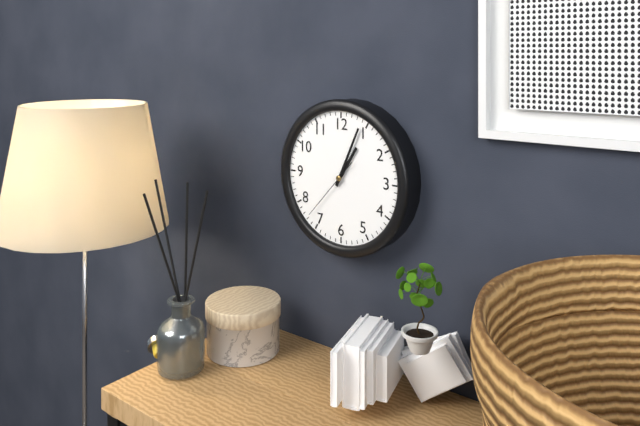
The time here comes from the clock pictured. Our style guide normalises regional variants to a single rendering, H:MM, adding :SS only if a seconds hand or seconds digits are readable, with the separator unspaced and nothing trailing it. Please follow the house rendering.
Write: 1:04:37
